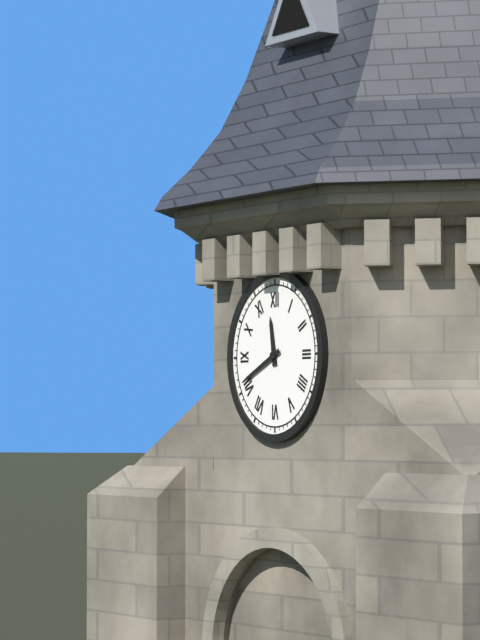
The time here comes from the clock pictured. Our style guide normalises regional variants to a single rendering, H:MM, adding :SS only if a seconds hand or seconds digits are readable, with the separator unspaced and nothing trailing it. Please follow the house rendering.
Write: 11:41
